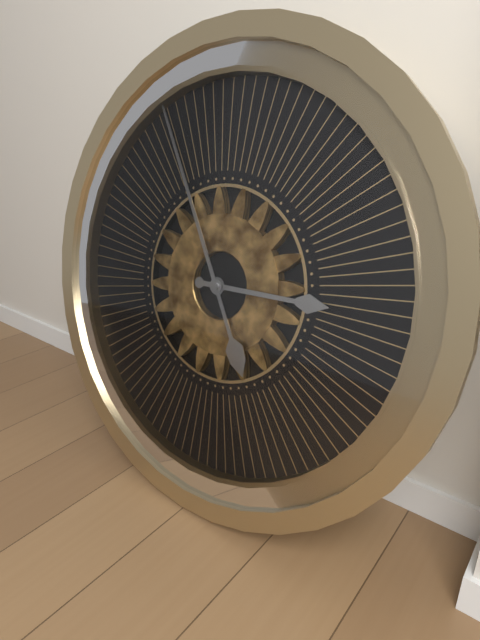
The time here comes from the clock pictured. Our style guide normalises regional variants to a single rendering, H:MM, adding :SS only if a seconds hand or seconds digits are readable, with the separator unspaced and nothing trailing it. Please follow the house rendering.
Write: 2:55
